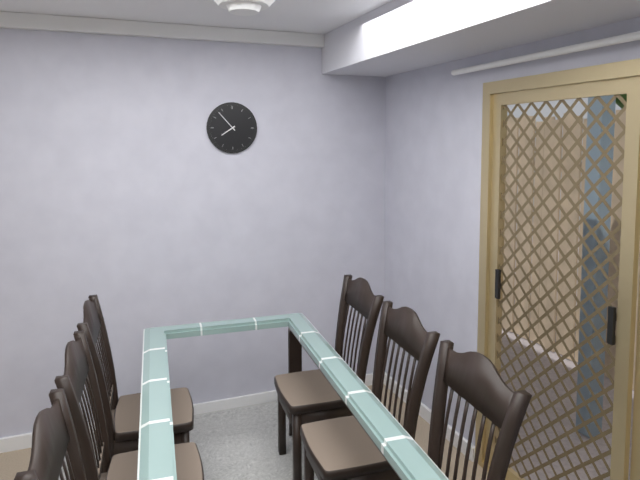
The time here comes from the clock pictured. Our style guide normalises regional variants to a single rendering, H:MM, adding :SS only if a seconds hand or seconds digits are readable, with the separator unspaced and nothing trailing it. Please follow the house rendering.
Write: 7:53
